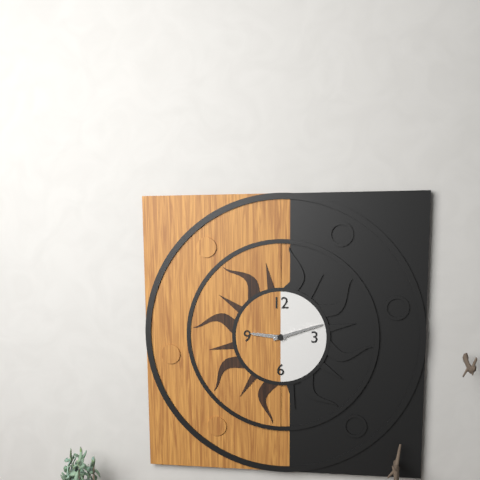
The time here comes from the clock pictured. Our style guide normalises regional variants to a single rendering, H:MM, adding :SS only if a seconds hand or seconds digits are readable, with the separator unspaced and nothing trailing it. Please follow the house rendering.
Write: 9:12
